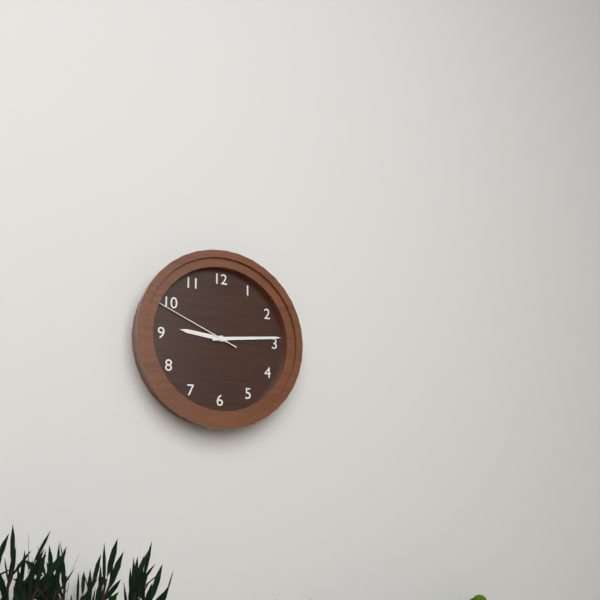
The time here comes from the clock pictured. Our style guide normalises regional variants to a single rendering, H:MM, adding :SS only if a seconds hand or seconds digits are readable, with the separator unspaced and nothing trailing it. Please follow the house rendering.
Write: 9:14:49
